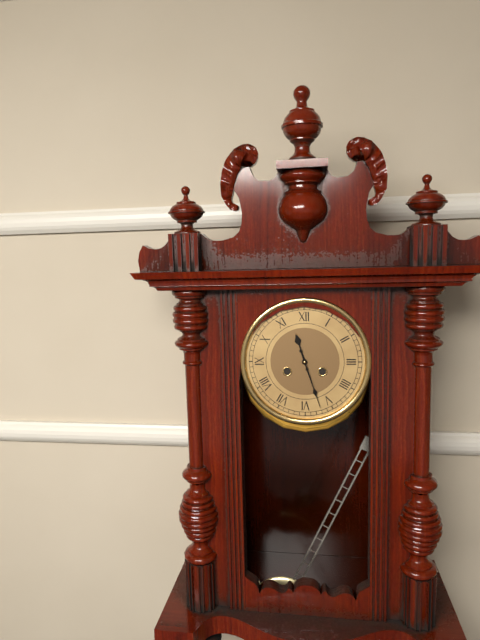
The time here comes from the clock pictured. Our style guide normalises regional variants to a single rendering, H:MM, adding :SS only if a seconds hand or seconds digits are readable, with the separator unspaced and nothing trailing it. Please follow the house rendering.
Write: 11:27
